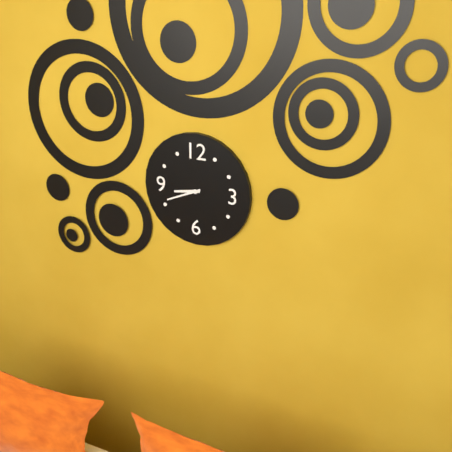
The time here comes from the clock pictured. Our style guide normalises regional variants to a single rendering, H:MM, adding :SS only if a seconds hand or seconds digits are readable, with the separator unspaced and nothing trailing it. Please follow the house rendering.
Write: 8:41
